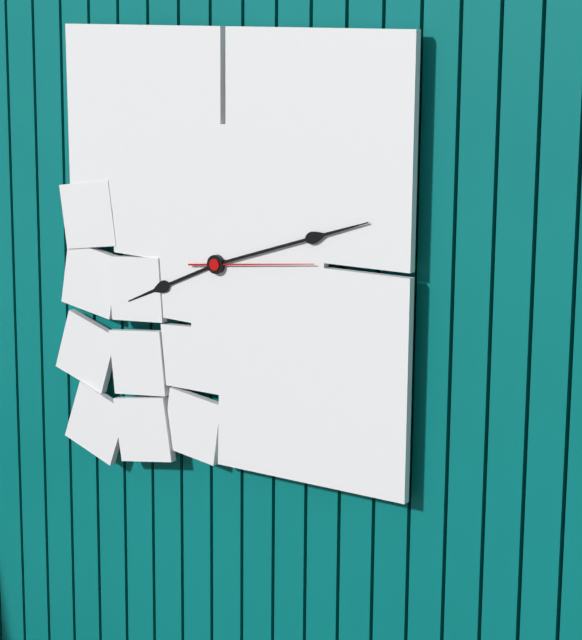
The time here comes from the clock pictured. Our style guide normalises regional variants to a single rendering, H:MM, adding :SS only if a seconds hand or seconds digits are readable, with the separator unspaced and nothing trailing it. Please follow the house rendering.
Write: 8:12:14
